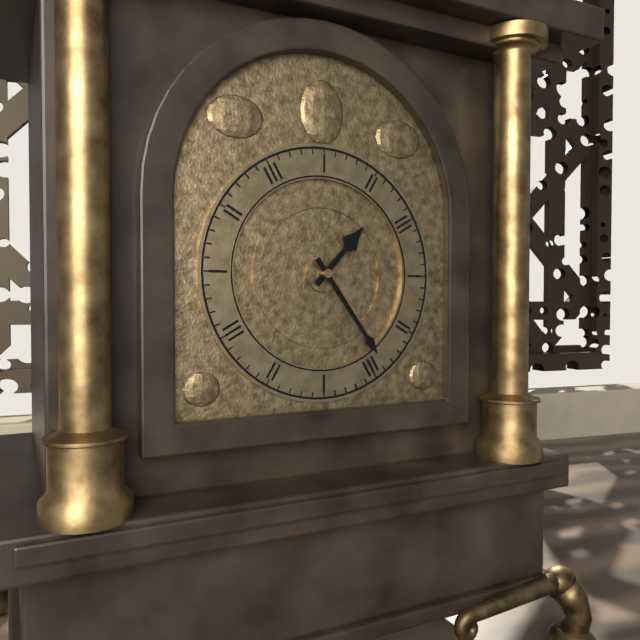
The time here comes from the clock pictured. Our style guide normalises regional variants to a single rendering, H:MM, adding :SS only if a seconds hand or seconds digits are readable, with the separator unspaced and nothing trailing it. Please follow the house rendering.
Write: 1:24
